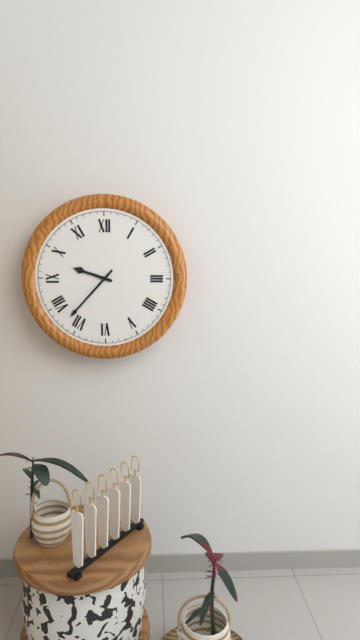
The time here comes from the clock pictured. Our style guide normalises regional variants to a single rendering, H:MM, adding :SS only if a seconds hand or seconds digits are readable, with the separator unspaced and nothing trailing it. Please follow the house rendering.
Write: 9:37
